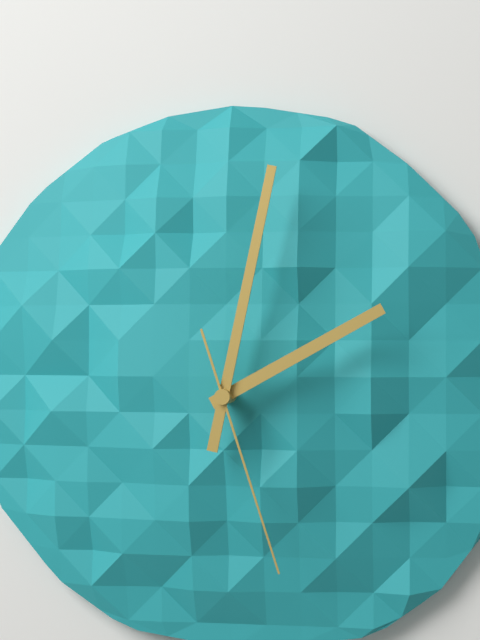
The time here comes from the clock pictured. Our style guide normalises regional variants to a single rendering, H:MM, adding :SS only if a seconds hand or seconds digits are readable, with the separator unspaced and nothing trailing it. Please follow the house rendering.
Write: 2:02:27
